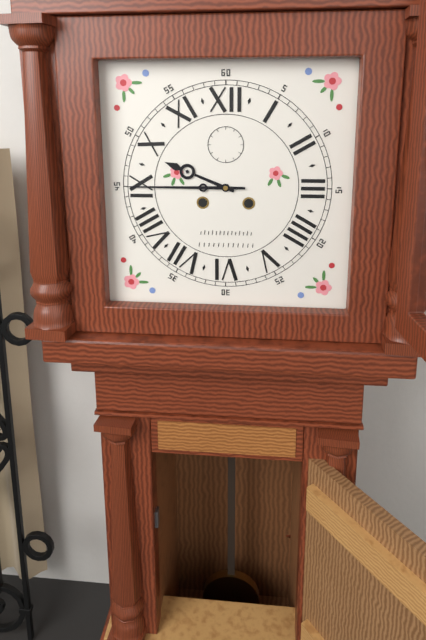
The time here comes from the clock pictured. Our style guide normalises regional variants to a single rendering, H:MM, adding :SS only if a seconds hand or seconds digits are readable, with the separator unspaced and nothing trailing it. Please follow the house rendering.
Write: 9:45
